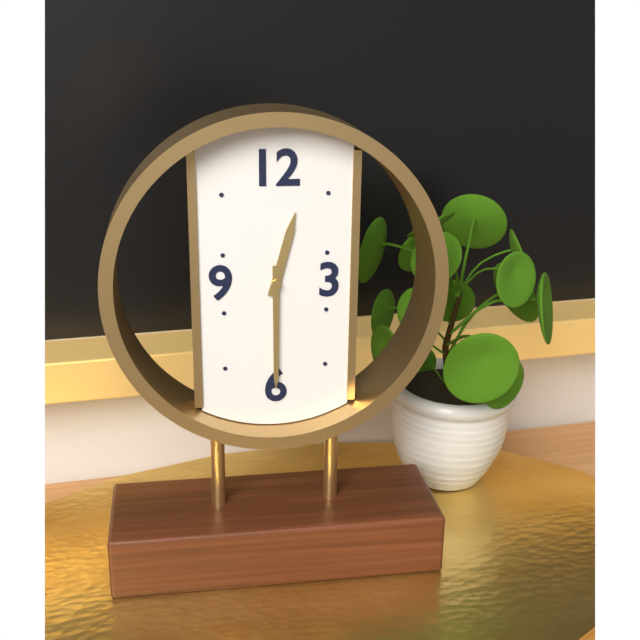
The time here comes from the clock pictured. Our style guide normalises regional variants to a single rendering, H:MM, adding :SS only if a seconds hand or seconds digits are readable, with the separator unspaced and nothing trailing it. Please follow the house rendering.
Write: 12:30
